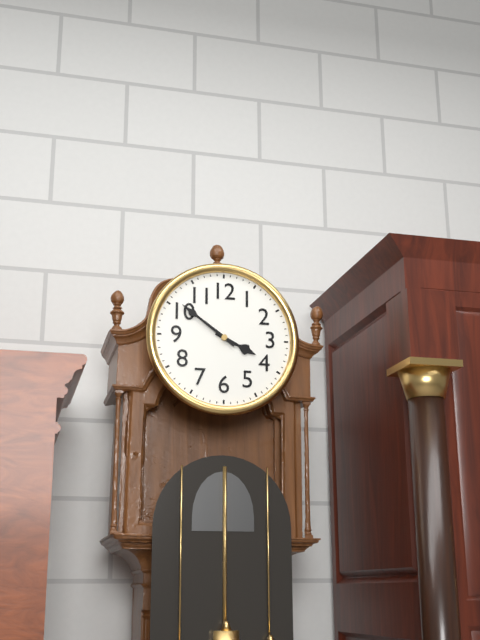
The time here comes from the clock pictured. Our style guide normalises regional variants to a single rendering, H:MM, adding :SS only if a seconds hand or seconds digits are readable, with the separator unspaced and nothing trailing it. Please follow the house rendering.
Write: 3:51
